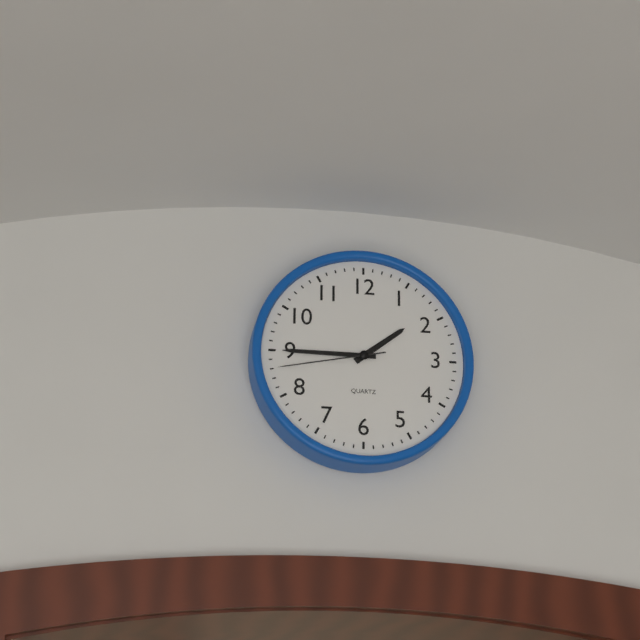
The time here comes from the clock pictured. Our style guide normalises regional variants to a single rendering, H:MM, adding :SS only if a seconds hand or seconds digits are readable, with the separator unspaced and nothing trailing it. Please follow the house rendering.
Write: 1:45:43
